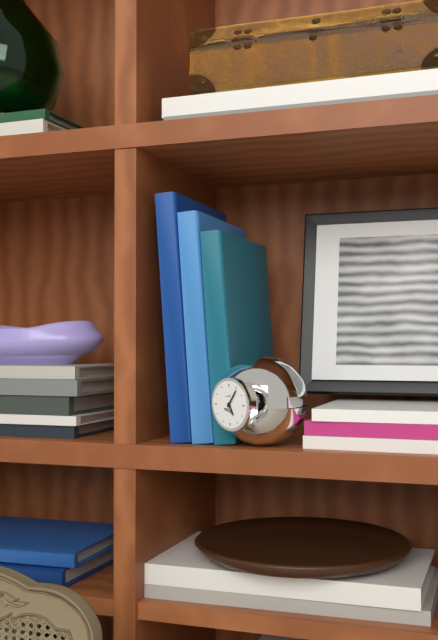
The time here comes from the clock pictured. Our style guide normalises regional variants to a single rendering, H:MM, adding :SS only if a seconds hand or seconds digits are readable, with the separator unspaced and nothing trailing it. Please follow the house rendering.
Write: 5:06
